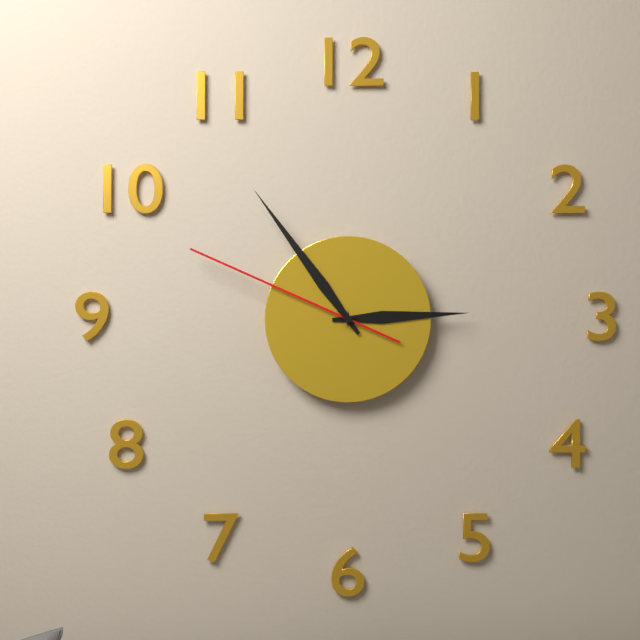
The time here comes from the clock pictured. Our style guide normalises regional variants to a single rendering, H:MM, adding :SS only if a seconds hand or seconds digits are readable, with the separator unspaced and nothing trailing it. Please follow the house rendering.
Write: 2:54:49
